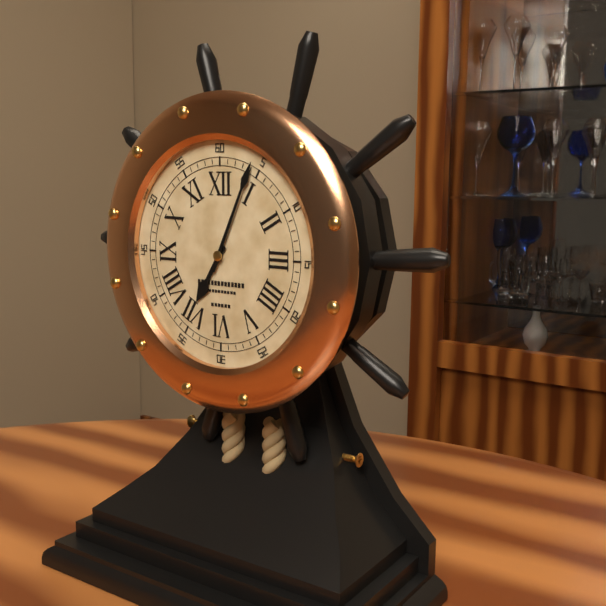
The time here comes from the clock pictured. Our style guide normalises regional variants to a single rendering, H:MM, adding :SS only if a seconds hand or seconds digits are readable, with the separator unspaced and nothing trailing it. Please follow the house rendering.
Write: 7:04
